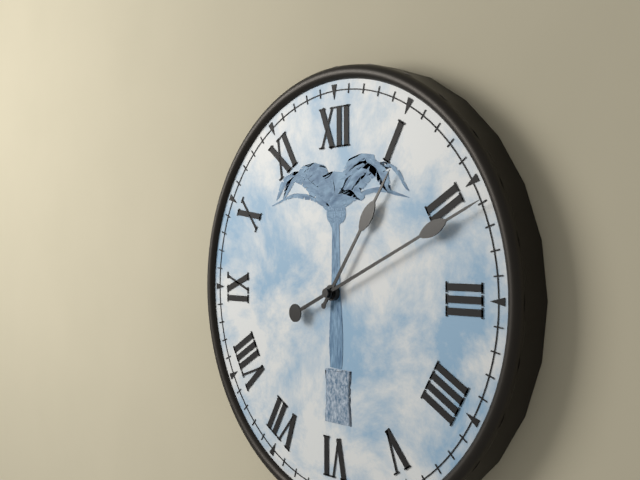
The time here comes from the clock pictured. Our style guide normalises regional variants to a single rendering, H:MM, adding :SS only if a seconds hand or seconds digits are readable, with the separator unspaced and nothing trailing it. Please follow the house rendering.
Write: 1:11
